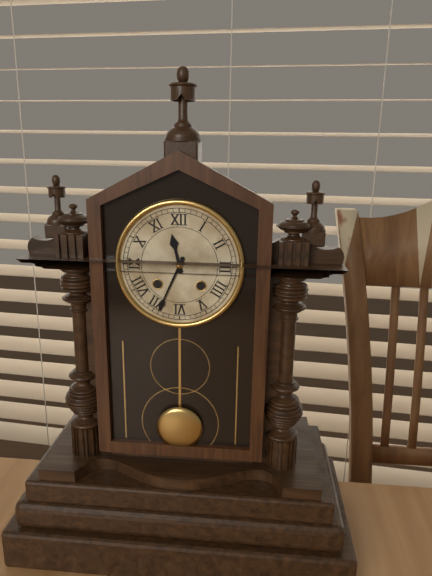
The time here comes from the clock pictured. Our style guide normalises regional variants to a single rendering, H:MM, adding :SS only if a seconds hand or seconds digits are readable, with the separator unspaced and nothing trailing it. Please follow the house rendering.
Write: 11:34
